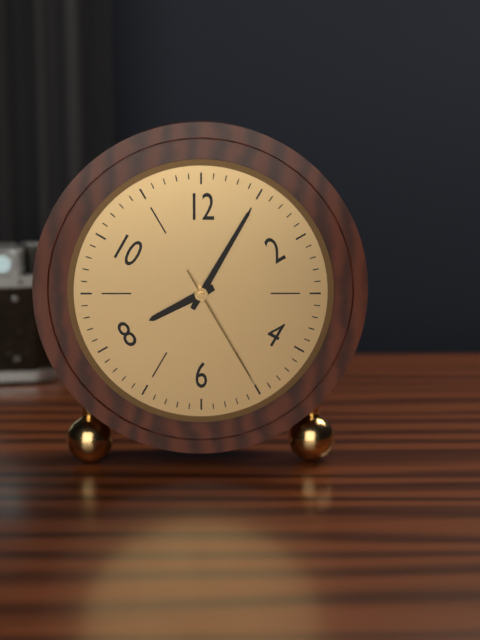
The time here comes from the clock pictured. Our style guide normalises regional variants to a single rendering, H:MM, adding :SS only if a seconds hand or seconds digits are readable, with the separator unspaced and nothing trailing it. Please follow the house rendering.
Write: 8:05:25
